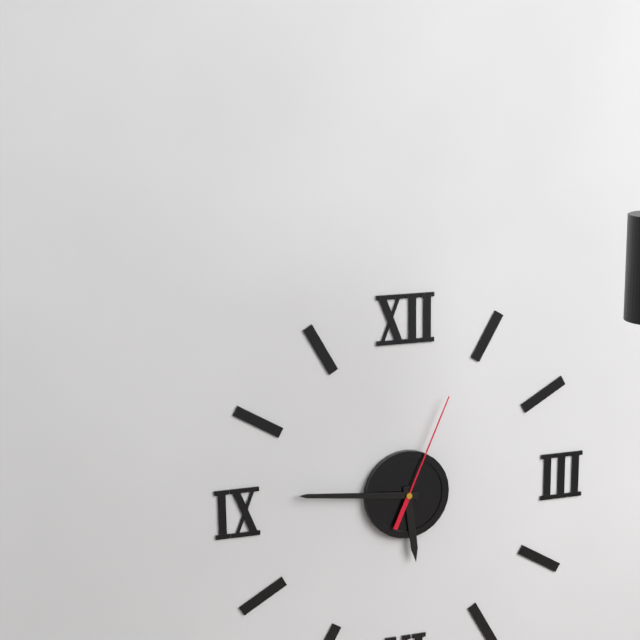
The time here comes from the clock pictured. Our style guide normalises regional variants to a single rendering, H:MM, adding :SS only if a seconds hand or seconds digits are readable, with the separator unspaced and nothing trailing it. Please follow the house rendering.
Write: 5:46:04
